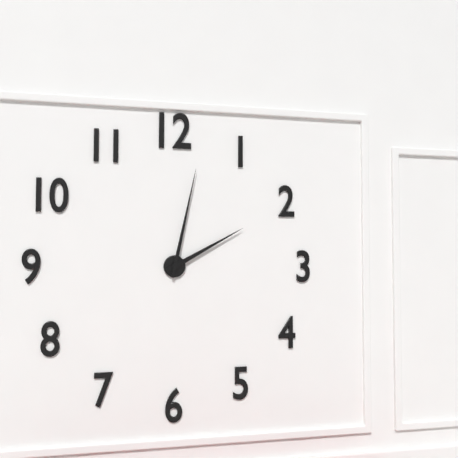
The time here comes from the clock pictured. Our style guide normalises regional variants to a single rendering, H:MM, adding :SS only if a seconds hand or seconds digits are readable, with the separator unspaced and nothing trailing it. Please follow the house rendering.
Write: 2:02
